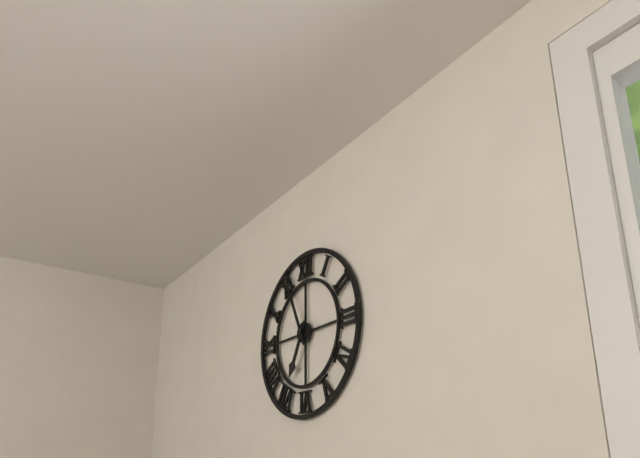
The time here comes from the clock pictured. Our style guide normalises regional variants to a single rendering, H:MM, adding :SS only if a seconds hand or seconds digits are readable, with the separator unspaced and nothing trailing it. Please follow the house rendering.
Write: 6:56
